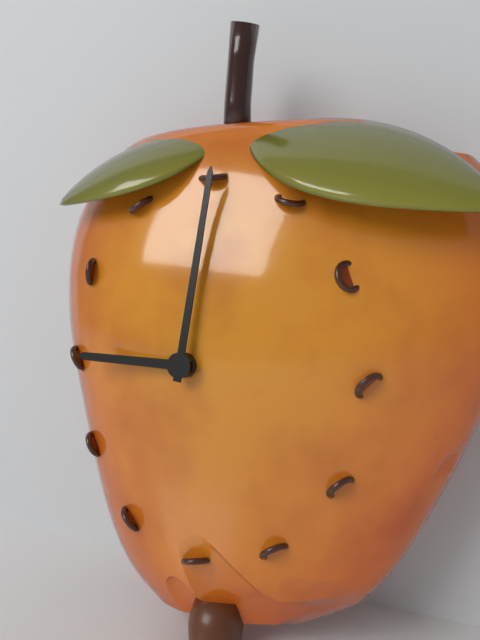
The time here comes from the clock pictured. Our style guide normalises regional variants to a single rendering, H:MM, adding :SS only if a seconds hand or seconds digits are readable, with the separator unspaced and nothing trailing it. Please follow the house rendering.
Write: 9:01
